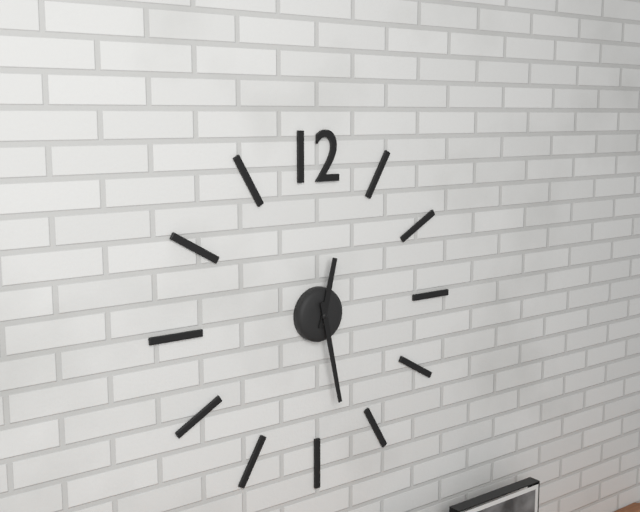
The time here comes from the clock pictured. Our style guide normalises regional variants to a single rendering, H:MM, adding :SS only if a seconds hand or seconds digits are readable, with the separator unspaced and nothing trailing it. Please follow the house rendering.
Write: 12:28
